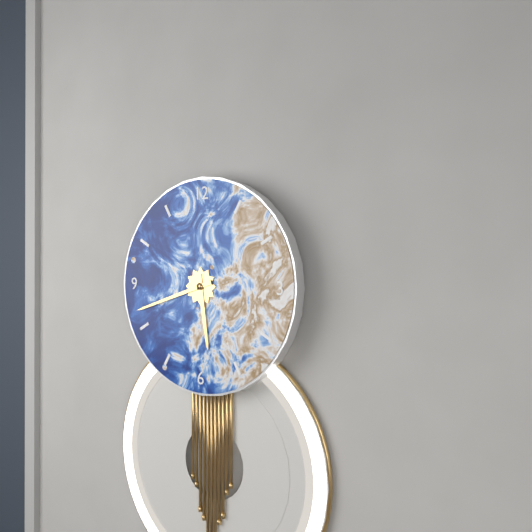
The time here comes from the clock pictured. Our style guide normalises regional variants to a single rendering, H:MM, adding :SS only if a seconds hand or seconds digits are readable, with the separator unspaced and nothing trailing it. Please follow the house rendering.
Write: 5:42
